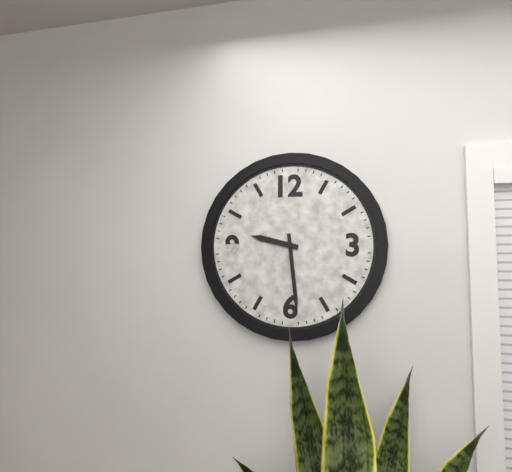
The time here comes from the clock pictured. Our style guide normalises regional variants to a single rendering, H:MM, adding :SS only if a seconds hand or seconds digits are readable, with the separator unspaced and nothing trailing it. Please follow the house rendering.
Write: 9:29
